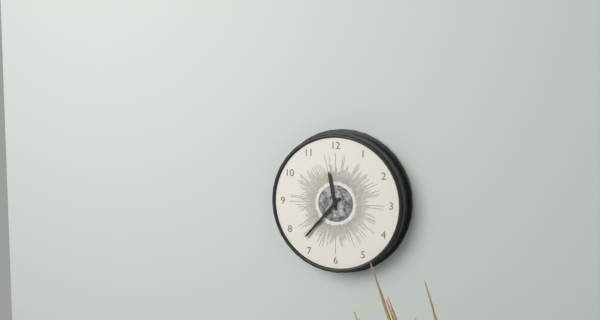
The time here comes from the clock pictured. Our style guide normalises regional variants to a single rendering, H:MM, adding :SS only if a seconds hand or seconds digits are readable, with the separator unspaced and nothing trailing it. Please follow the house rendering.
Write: 11:37
